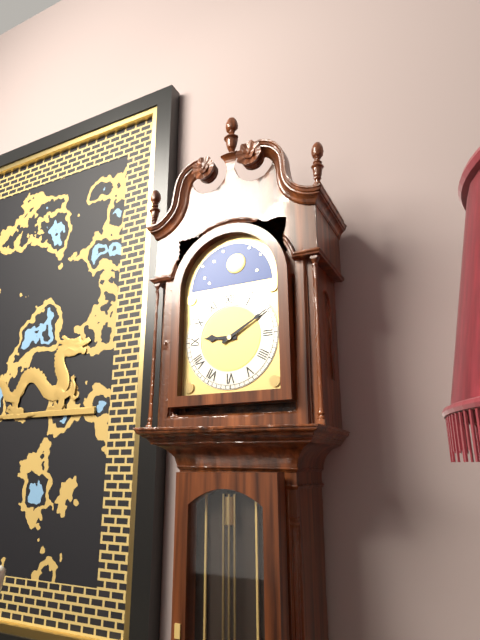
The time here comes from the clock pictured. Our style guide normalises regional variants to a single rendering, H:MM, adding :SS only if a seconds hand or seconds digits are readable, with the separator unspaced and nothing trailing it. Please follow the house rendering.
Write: 9:10
